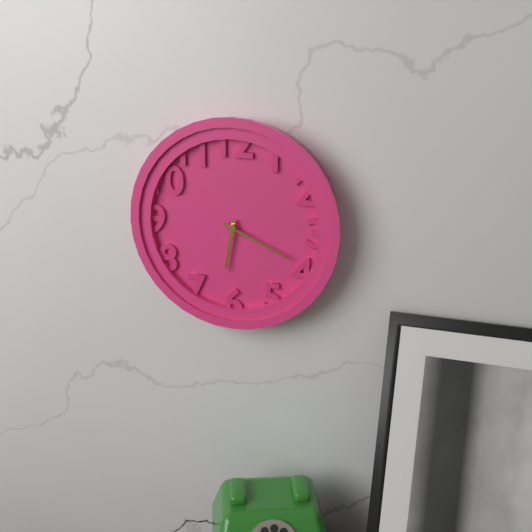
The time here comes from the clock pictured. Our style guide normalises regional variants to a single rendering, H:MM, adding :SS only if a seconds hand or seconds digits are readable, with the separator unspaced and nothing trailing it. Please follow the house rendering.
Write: 6:19
